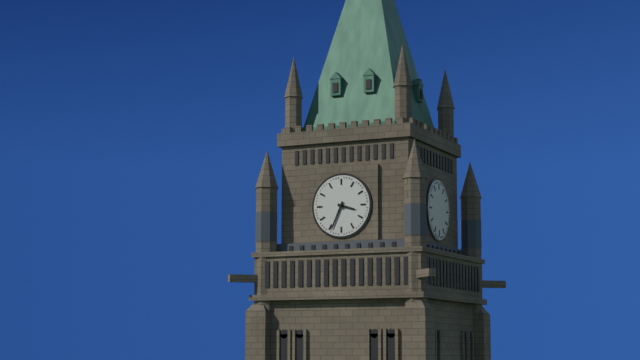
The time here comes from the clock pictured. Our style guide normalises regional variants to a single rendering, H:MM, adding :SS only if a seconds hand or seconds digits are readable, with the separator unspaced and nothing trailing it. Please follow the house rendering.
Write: 3:34
